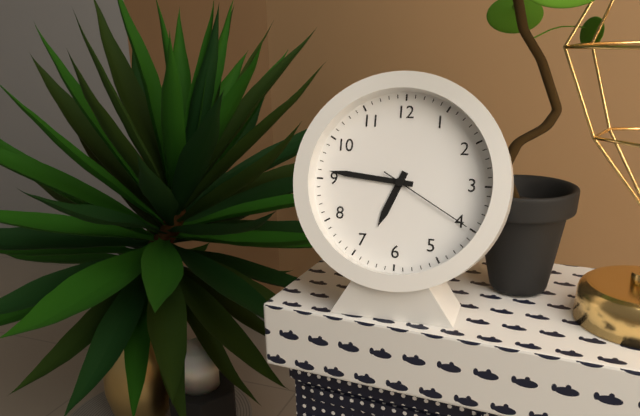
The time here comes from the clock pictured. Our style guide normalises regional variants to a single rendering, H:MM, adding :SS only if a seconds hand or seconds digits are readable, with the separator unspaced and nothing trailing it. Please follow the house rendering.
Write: 6:46:20
